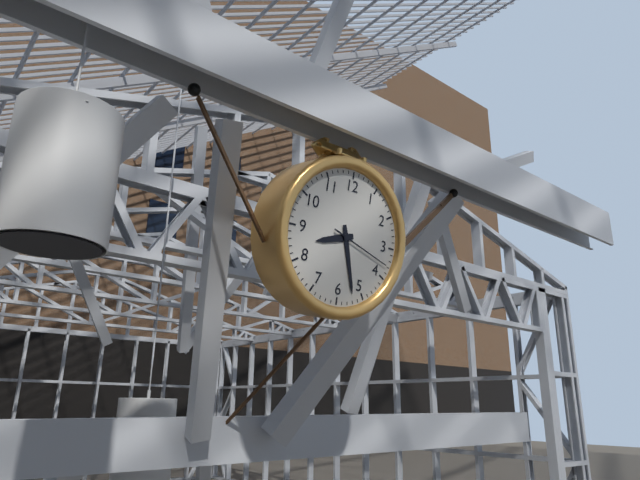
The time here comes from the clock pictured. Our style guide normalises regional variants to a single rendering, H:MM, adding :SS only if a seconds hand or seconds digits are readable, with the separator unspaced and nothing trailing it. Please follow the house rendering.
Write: 8:27:18
